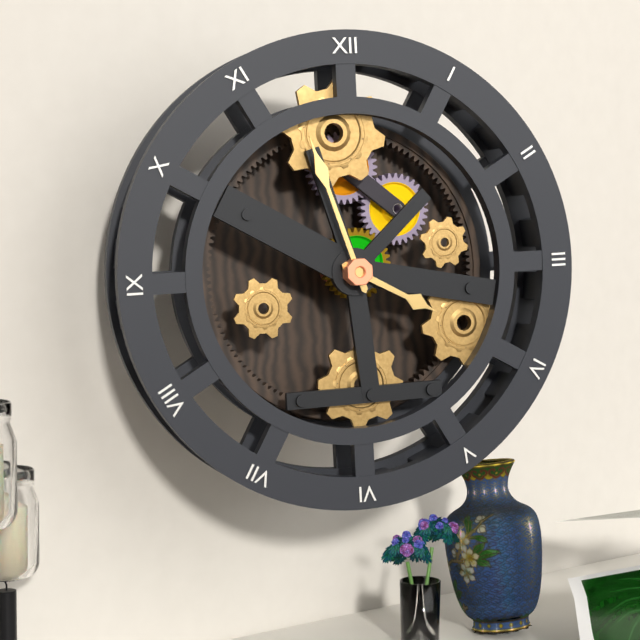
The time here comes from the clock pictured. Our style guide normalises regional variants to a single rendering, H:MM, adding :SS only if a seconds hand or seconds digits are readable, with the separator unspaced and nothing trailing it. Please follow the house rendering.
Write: 3:57
